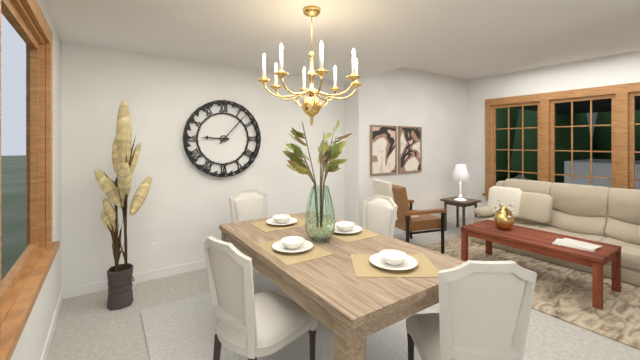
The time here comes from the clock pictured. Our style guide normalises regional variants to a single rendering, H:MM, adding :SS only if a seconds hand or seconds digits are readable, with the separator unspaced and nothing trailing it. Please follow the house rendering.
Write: 9:07
